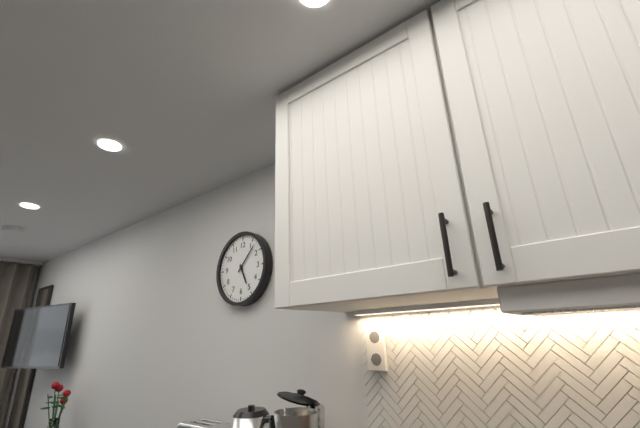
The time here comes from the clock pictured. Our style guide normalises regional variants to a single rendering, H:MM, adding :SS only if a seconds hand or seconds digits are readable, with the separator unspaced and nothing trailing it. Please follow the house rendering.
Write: 5:07
